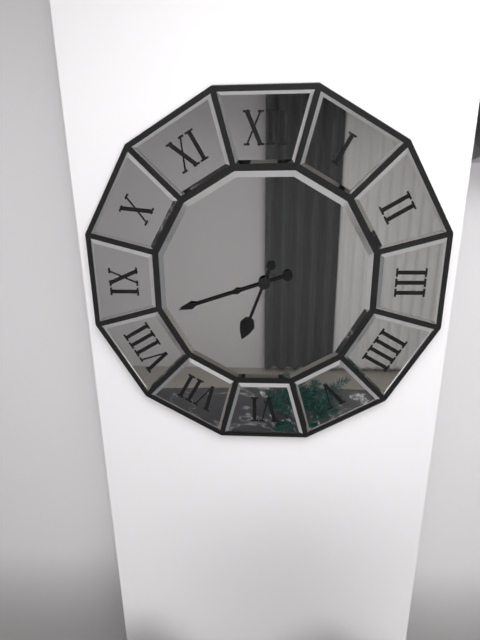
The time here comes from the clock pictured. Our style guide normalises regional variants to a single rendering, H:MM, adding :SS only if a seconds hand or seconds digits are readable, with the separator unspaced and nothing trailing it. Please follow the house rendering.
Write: 6:42
